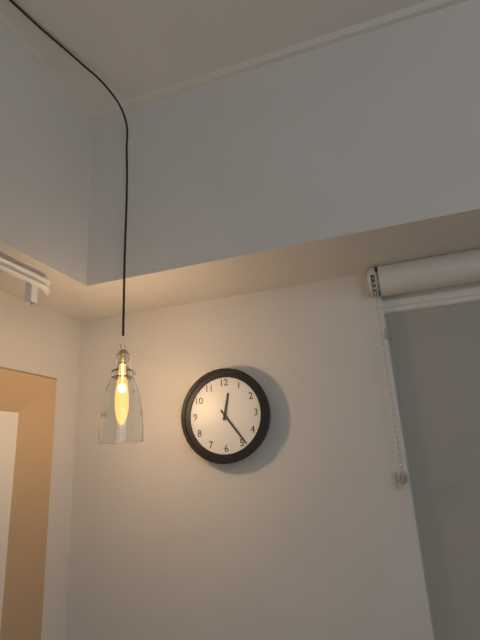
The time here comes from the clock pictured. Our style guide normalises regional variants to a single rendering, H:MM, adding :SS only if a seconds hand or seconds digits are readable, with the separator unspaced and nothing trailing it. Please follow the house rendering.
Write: 12:24
